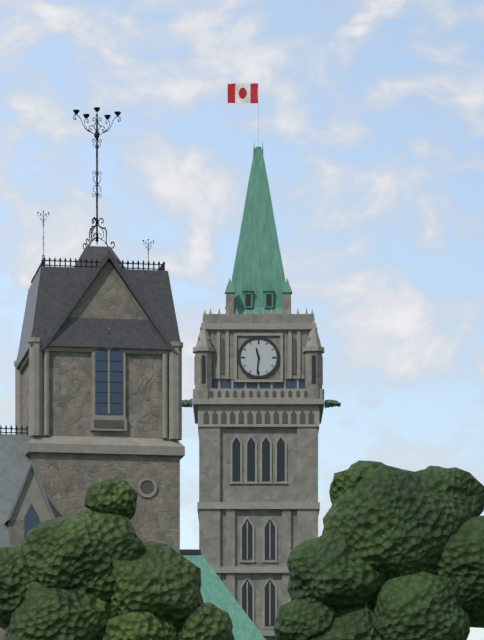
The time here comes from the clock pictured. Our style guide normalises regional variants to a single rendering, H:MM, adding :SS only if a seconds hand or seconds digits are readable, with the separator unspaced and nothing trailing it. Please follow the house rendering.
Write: 11:31
